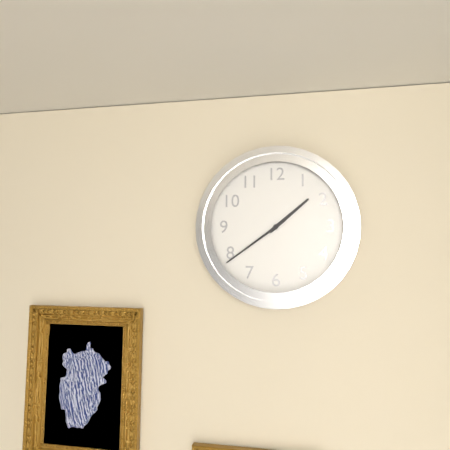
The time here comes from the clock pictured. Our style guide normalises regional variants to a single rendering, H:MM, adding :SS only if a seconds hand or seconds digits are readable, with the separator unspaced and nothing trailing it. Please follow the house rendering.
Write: 1:39
